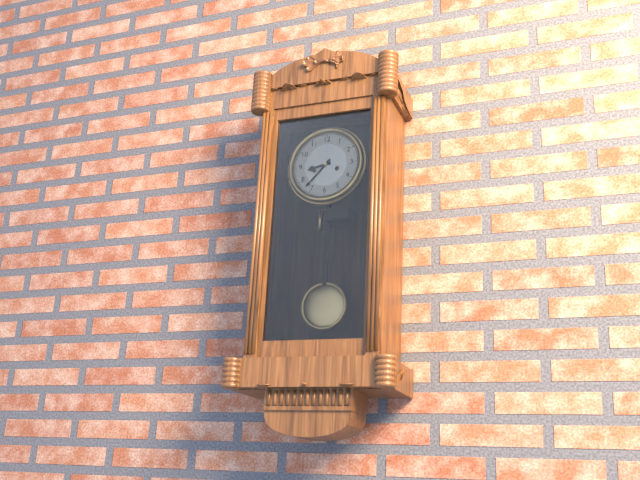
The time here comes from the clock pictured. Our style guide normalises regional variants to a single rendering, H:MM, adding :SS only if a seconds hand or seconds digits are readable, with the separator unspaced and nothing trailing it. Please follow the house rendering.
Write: 8:37
